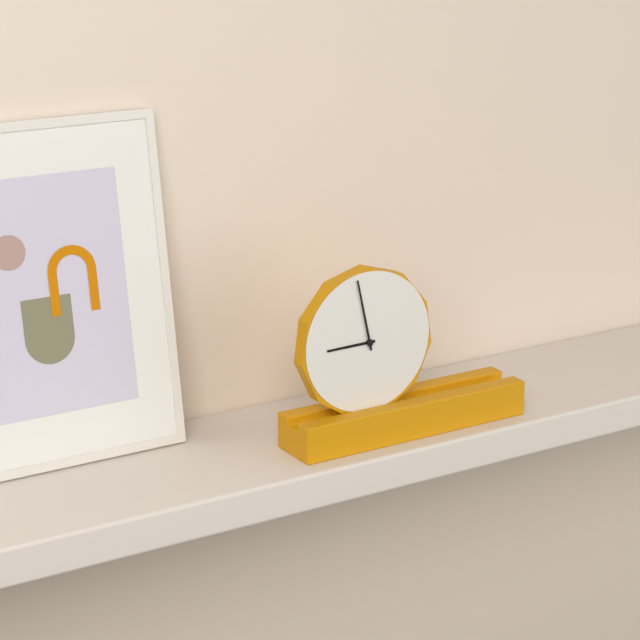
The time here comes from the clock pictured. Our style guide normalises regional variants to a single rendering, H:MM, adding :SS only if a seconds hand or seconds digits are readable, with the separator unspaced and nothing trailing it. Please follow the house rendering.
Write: 8:58
